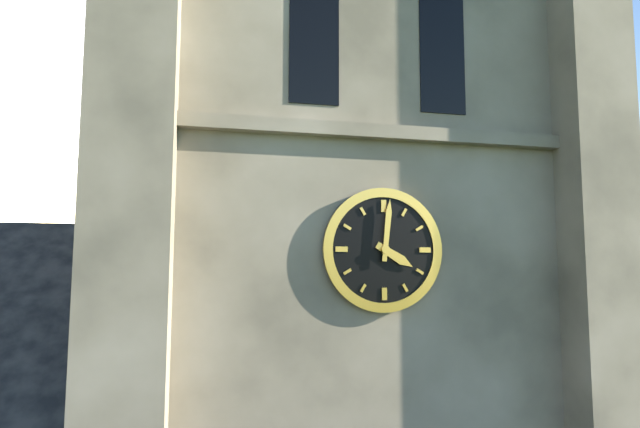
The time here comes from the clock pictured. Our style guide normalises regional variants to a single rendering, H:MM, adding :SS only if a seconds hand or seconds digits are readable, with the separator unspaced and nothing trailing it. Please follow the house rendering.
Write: 4:01
